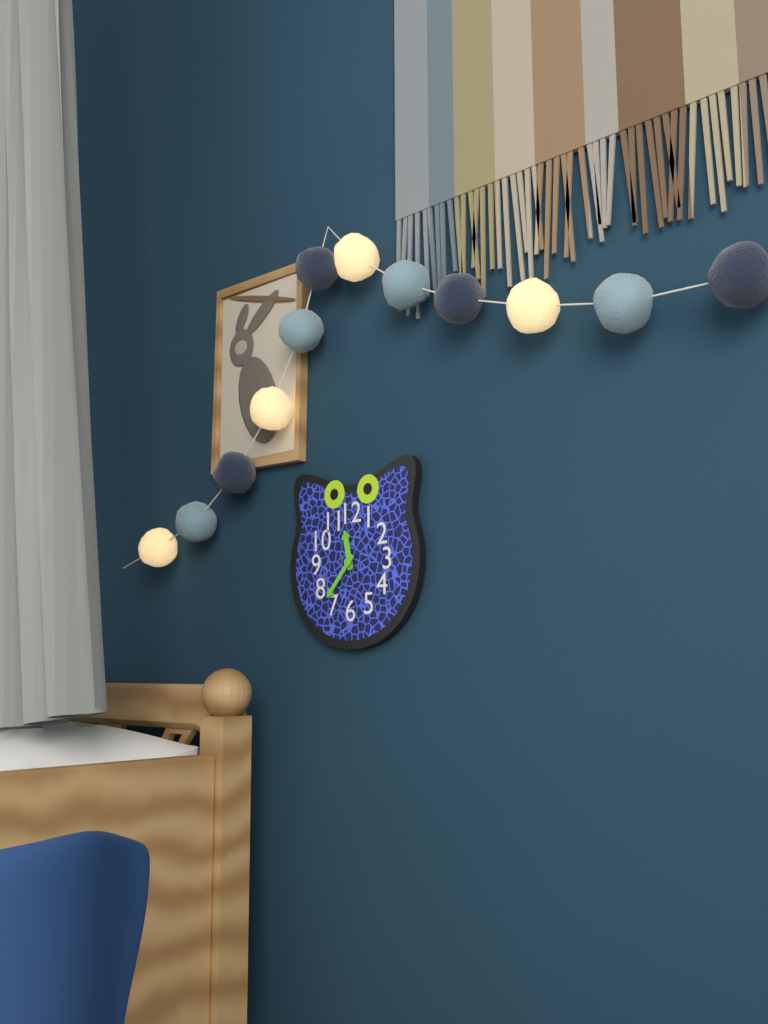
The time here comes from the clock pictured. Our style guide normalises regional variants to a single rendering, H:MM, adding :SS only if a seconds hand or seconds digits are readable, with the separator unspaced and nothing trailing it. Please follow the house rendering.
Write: 11:37
